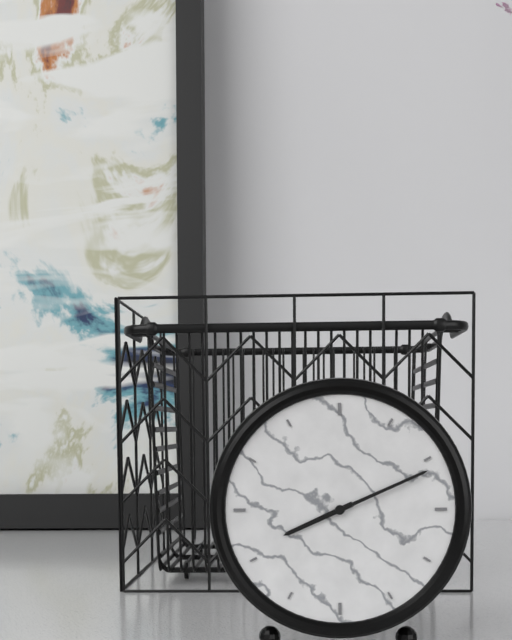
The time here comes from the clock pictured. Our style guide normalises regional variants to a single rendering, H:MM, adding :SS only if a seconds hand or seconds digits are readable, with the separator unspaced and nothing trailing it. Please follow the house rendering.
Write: 8:11
